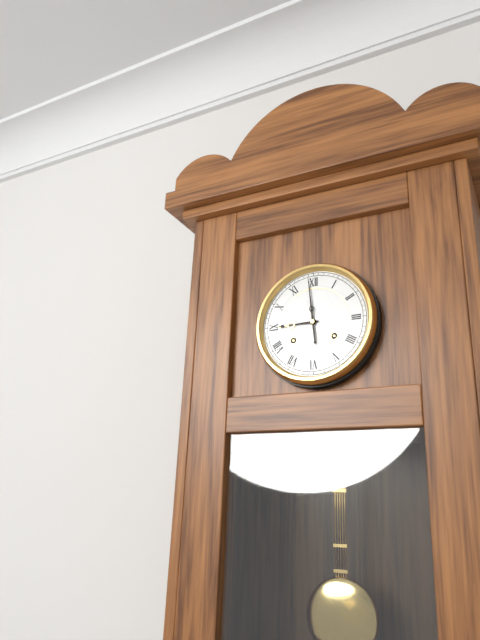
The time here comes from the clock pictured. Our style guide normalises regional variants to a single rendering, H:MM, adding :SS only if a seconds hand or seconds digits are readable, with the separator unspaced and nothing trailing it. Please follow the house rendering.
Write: 8:59
